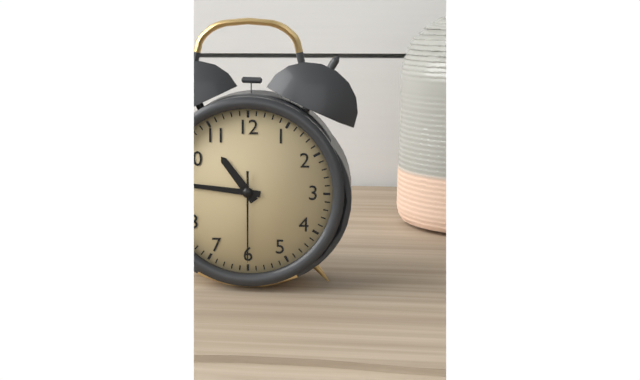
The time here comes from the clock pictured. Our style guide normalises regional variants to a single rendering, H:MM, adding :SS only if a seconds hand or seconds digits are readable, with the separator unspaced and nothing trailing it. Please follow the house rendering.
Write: 10:46:30
